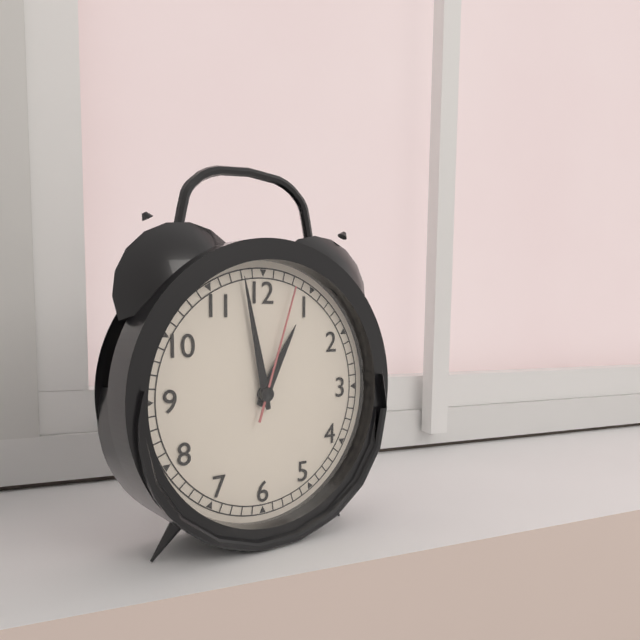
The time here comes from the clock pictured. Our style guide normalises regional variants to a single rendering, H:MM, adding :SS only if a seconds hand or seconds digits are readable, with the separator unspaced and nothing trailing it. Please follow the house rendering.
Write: 12:58:03
